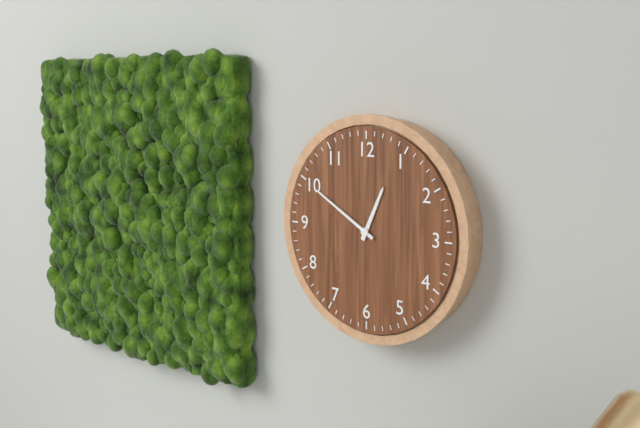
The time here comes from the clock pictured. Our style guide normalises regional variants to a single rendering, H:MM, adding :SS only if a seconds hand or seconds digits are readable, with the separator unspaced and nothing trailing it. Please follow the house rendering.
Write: 12:50
